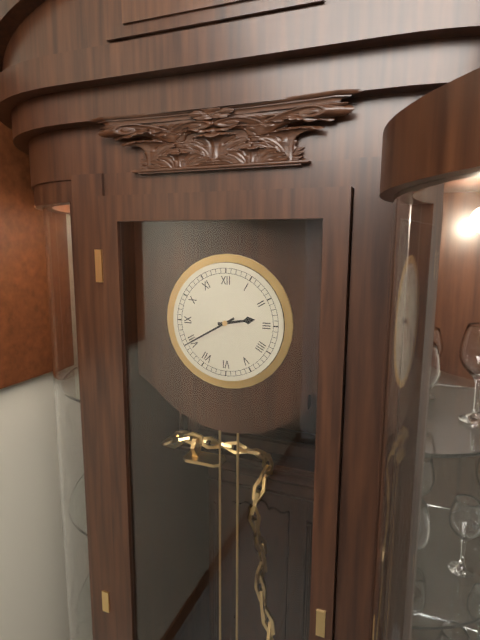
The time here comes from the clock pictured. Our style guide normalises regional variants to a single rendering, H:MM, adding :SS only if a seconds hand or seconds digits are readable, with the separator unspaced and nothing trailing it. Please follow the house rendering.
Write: 2:40
